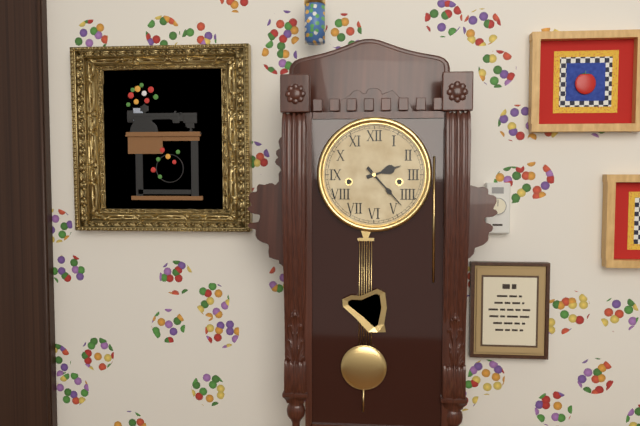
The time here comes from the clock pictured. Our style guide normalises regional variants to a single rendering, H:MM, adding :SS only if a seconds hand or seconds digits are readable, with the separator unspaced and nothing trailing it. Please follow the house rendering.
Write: 2:23
